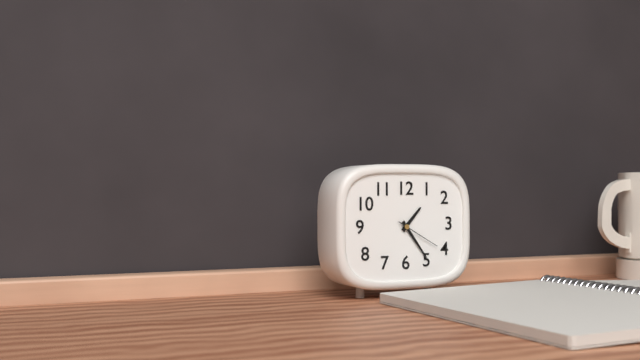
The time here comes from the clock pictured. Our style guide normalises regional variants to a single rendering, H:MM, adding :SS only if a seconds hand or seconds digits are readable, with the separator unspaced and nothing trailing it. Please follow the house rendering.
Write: 1:24
